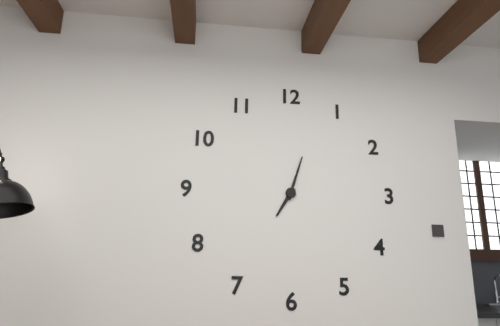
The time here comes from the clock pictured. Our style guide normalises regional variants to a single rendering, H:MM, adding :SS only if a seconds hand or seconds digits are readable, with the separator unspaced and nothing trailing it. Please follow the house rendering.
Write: 7:03
